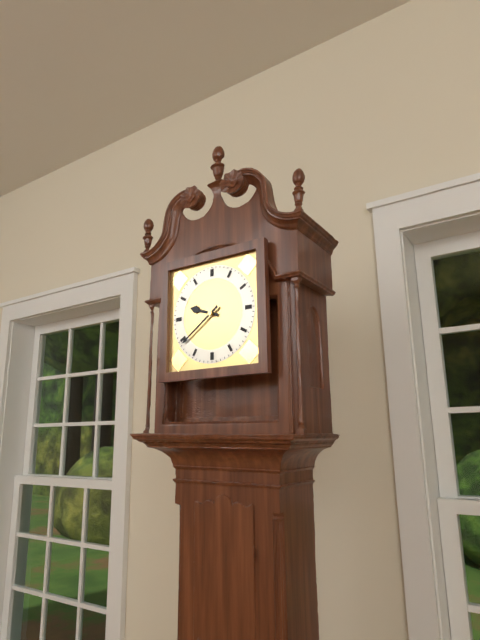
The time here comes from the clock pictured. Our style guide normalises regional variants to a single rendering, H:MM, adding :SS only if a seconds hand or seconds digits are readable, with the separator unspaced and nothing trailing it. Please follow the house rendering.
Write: 9:39
